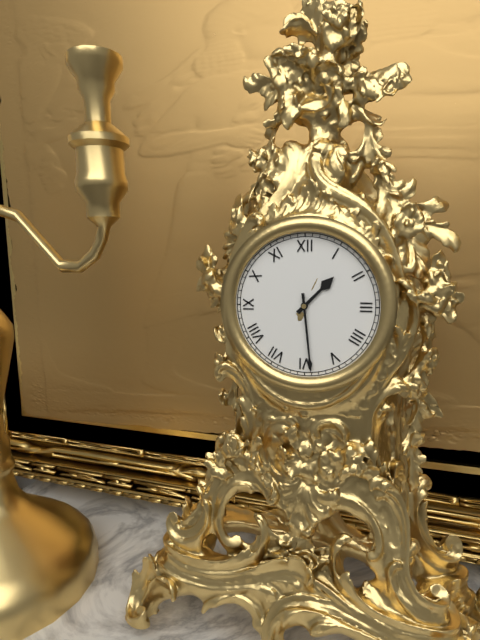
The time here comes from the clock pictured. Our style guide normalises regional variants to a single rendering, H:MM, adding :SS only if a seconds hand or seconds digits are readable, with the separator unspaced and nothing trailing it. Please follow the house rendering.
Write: 1:29
